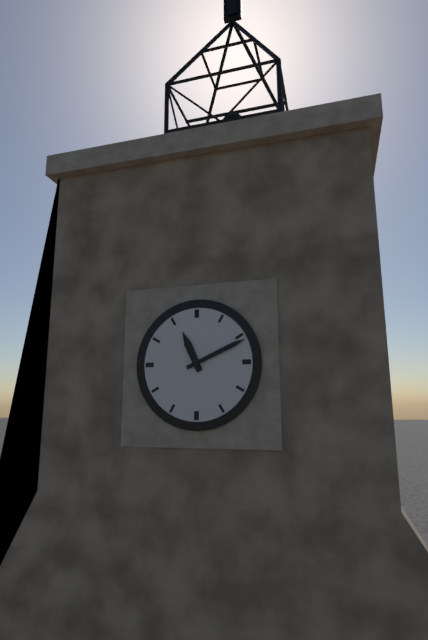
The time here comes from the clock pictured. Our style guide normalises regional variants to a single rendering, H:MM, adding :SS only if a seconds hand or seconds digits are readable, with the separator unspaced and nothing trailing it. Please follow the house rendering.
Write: 11:11
